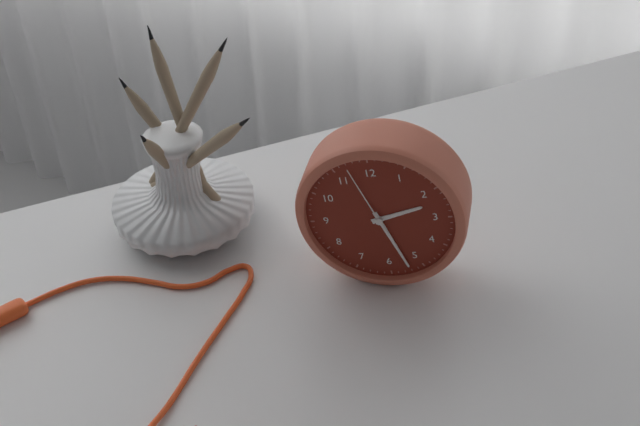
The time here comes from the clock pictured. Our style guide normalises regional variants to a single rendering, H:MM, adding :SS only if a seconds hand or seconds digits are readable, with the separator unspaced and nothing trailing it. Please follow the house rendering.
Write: 2:27:57
